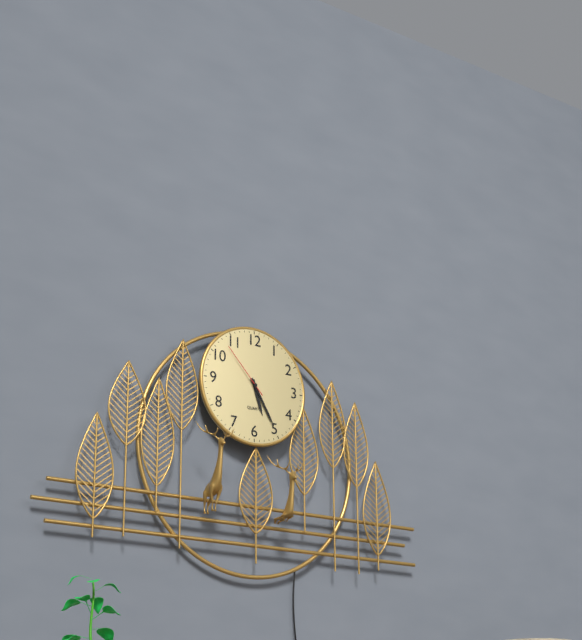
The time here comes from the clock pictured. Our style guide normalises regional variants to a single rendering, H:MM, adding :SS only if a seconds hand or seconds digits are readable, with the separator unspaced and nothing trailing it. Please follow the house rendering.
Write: 5:25:53
